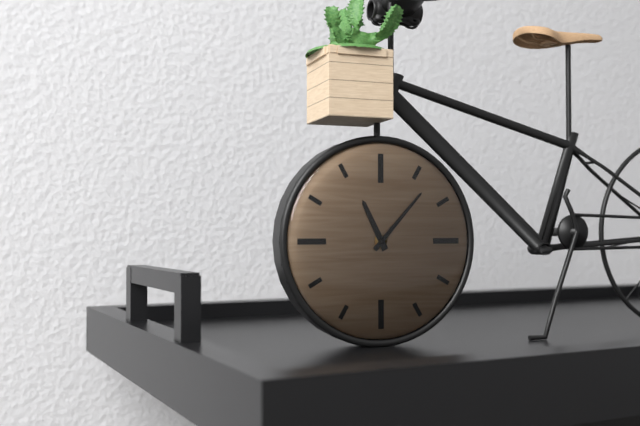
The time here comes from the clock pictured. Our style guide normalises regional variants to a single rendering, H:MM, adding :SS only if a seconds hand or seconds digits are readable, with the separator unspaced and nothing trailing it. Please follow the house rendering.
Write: 11:07
